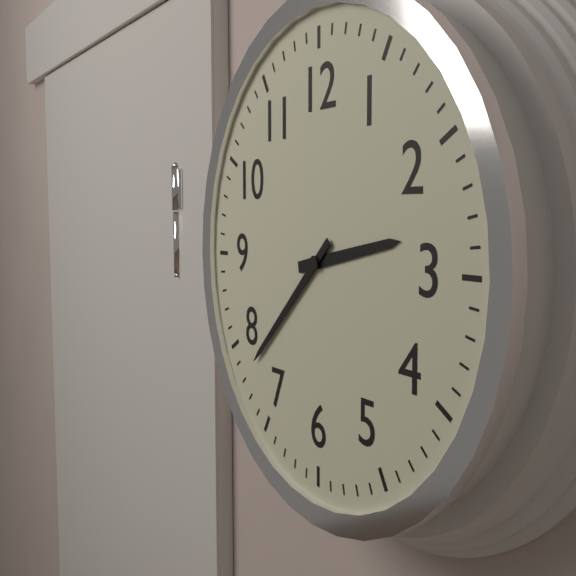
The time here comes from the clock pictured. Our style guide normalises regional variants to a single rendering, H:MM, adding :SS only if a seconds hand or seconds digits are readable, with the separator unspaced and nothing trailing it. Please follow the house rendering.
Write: 2:38
